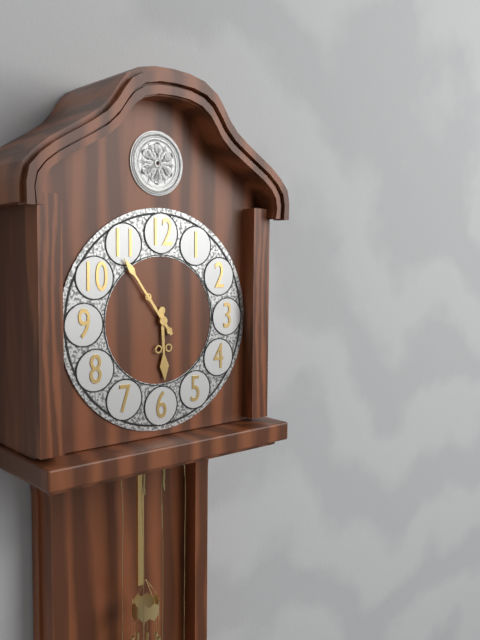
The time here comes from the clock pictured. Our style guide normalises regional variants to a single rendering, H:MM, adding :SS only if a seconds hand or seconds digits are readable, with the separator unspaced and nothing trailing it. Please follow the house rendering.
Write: 5:54
